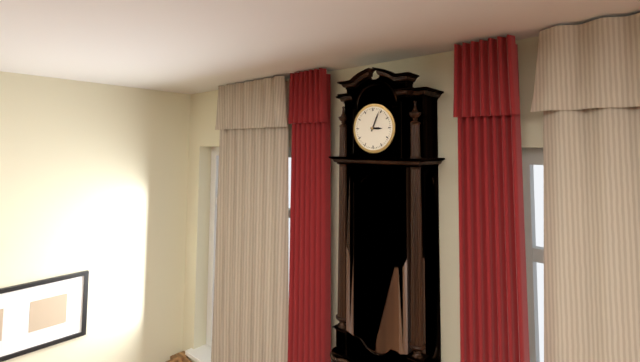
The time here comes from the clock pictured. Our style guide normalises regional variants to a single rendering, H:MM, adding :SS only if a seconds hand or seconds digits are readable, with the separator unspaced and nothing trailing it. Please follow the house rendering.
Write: 3:04
